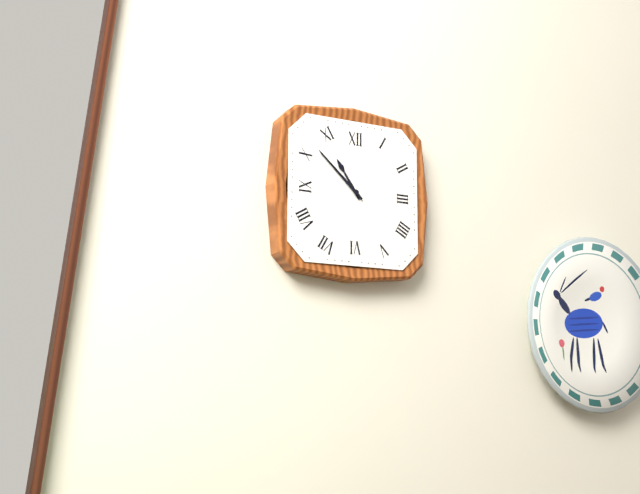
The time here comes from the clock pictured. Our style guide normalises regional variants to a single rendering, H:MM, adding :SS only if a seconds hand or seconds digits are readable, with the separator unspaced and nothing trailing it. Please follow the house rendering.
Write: 10:52
